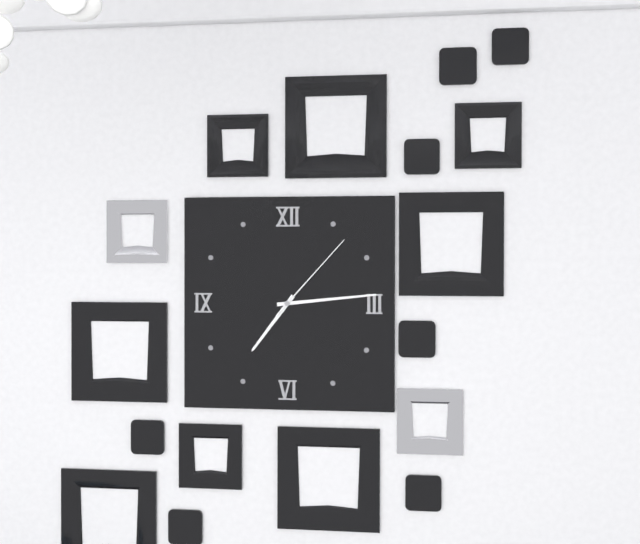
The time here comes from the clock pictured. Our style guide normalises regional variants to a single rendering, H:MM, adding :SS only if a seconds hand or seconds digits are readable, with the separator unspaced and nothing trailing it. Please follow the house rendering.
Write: 7:14:07
